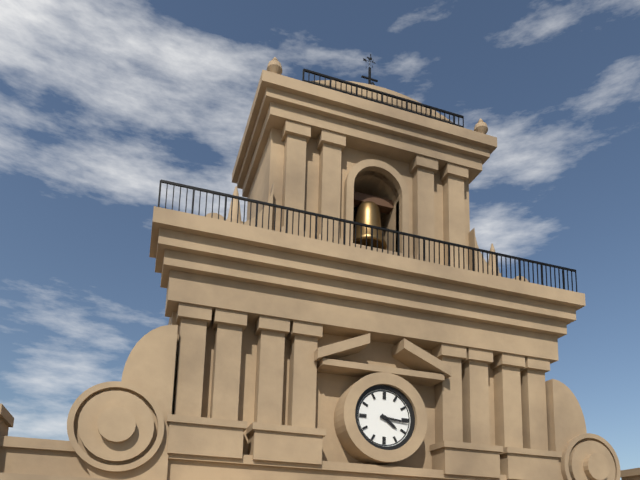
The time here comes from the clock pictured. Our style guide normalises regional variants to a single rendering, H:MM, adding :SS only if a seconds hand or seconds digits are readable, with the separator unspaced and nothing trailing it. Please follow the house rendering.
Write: 4:16
